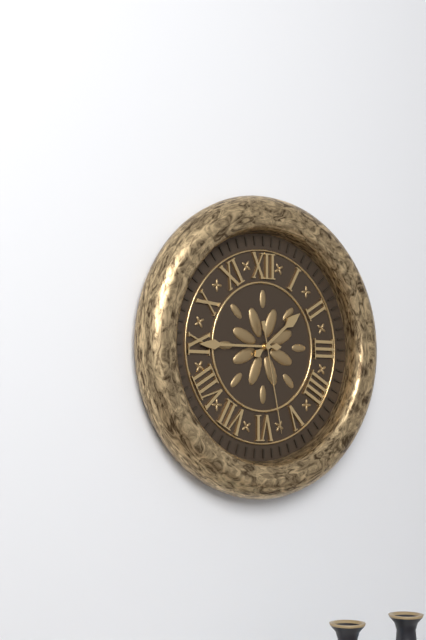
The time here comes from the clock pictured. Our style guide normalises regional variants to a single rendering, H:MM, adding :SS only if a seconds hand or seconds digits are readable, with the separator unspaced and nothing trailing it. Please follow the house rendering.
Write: 1:45:28
